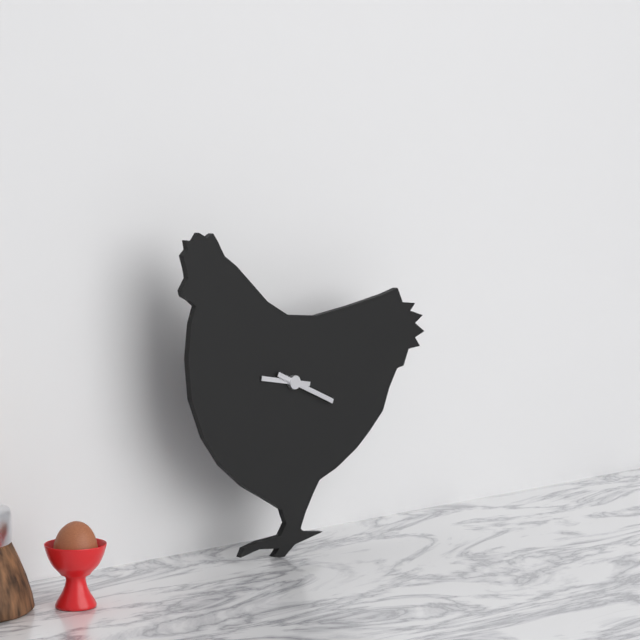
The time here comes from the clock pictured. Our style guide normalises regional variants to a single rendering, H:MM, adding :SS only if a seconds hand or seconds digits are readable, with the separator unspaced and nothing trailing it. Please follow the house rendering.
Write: 9:19
